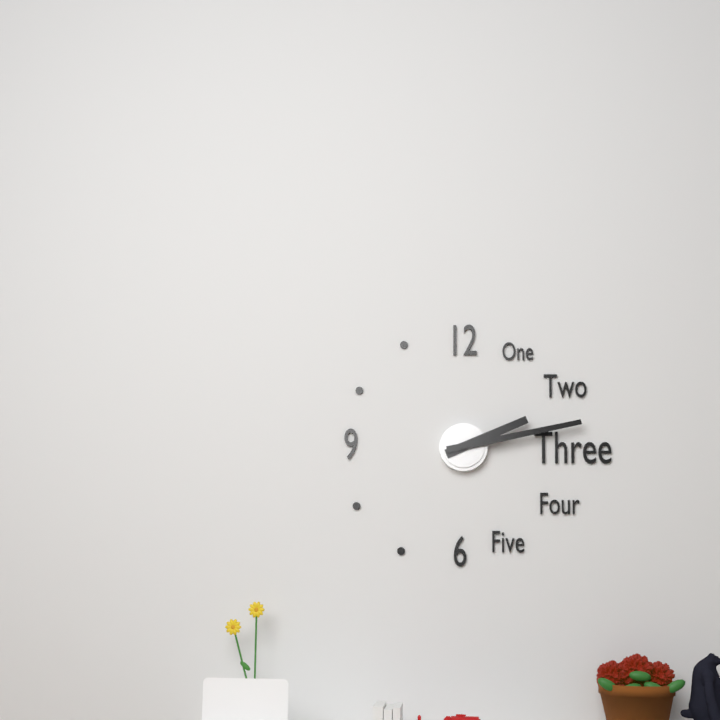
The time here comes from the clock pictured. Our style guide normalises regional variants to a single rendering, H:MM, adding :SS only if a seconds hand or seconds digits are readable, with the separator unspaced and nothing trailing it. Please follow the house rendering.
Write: 2:13
